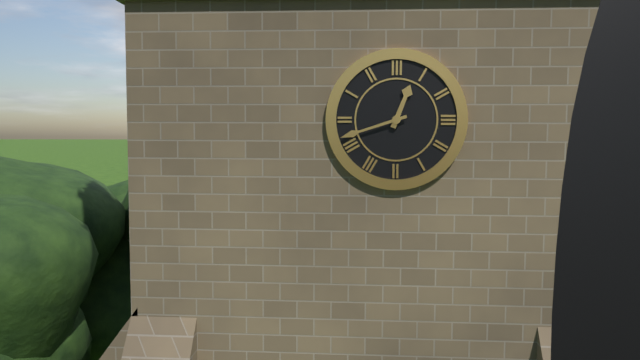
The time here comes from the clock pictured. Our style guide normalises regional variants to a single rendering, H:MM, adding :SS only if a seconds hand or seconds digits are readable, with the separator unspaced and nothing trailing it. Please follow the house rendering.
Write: 12:42
